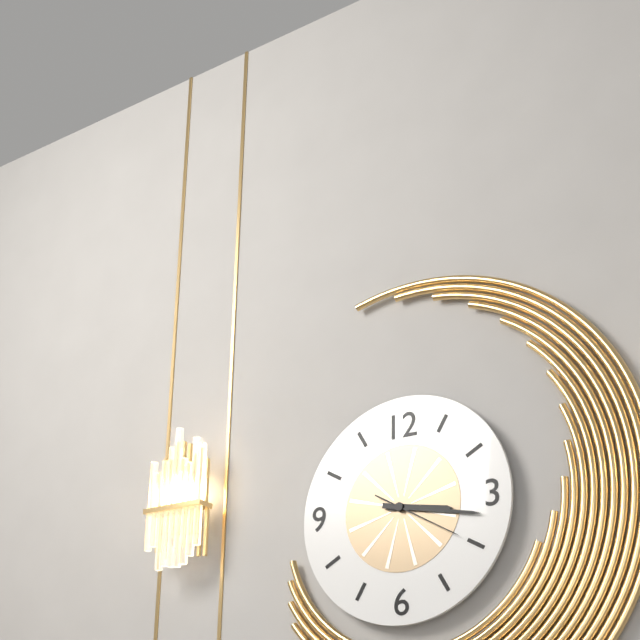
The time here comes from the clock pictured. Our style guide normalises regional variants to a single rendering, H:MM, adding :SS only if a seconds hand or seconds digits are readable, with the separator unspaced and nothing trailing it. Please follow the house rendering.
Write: 3:17:20
